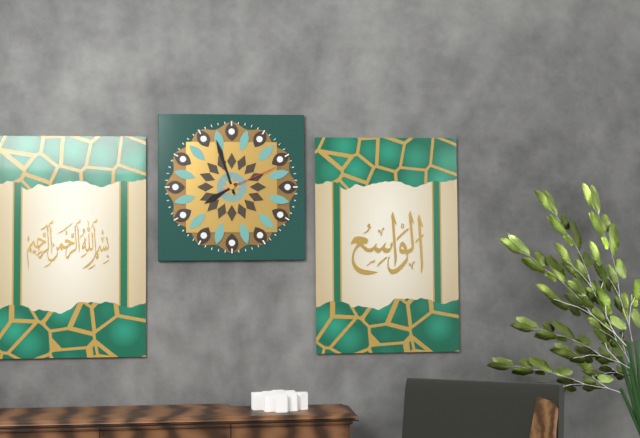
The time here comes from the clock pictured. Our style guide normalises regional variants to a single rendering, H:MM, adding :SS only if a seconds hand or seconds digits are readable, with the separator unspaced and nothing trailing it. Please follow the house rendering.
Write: 7:57:11
